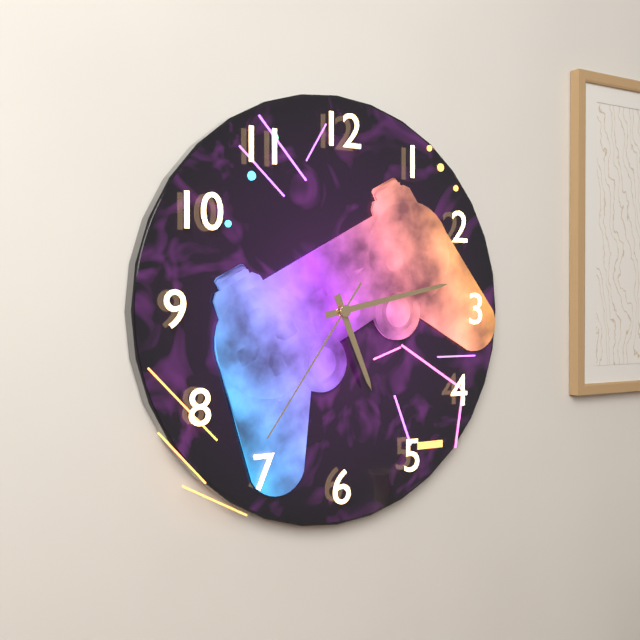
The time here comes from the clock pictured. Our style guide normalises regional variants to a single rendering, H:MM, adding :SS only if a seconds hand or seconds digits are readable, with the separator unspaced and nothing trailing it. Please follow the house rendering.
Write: 5:13:36
